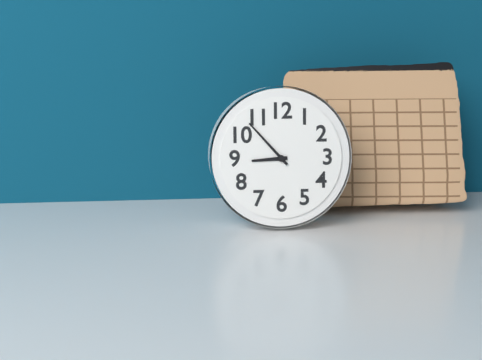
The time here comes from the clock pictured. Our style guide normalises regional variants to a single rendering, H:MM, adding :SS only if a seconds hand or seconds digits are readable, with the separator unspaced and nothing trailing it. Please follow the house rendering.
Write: 8:53
